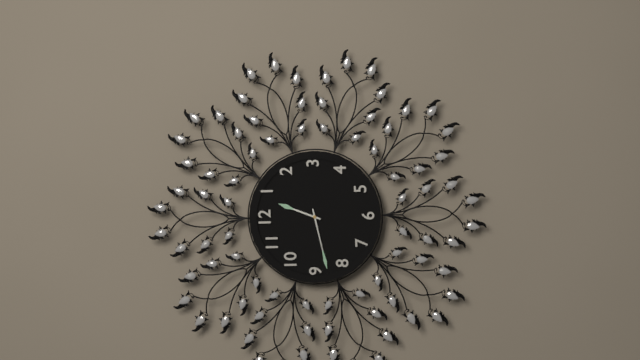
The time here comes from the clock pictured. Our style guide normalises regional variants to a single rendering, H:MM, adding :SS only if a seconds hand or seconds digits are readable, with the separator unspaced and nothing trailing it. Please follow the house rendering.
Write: 12:43
